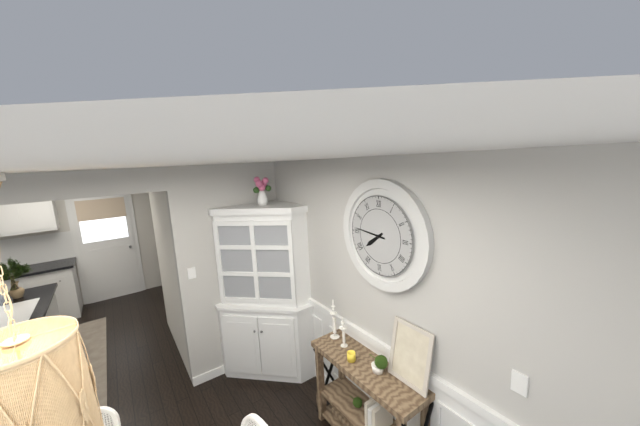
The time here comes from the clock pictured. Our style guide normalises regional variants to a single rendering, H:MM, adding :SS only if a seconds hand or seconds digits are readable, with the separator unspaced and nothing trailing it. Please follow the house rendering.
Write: 7:46
